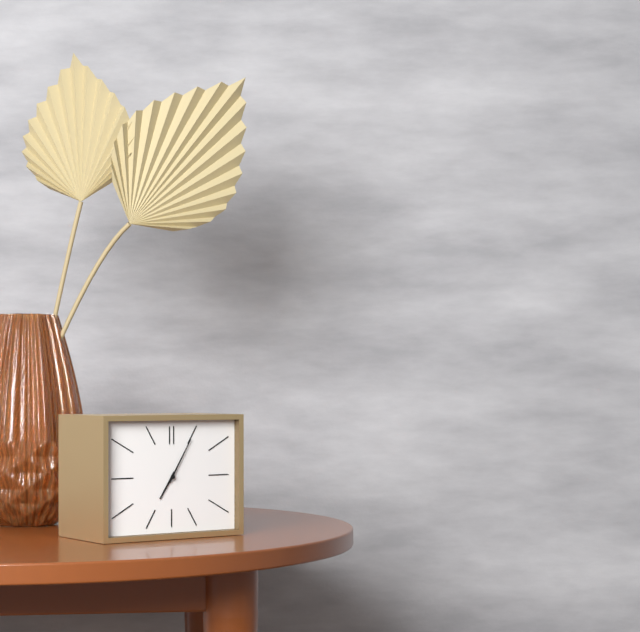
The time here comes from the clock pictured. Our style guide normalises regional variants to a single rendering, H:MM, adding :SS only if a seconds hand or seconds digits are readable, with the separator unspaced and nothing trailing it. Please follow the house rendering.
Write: 7:05
